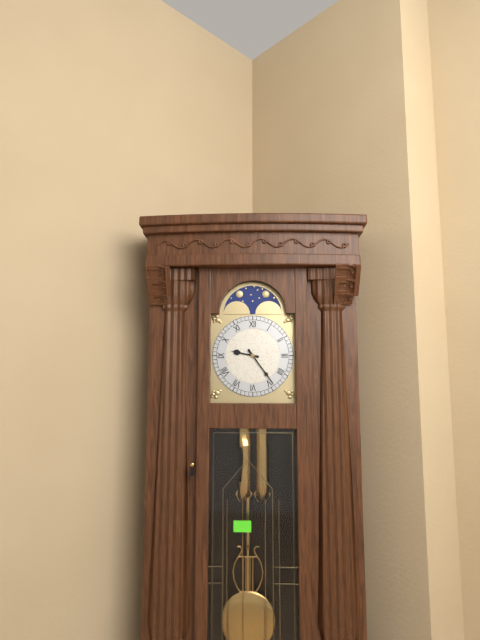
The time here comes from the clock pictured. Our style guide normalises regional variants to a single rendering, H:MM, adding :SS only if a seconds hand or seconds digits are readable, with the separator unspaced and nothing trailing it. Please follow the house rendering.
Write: 9:24
